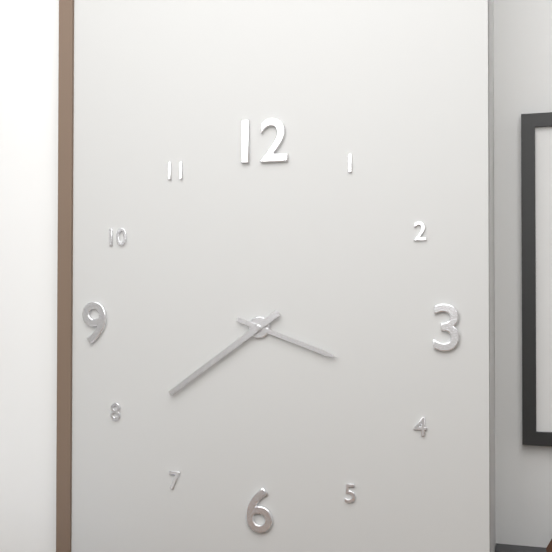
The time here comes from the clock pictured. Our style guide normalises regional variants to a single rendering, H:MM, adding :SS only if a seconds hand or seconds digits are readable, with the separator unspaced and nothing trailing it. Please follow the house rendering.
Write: 3:39
